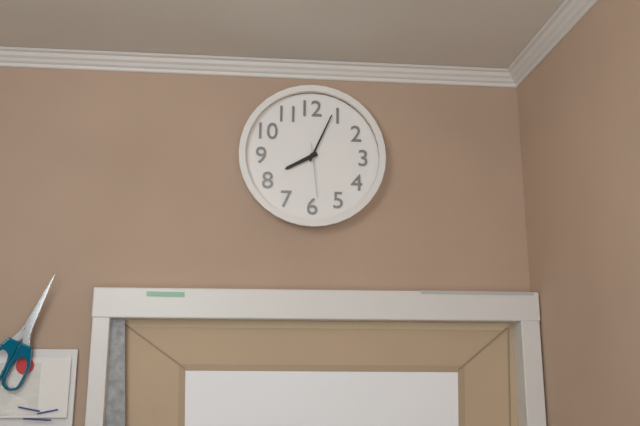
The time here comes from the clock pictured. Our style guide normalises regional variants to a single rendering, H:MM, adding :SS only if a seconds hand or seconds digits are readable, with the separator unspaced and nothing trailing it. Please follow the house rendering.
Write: 8:04:29
